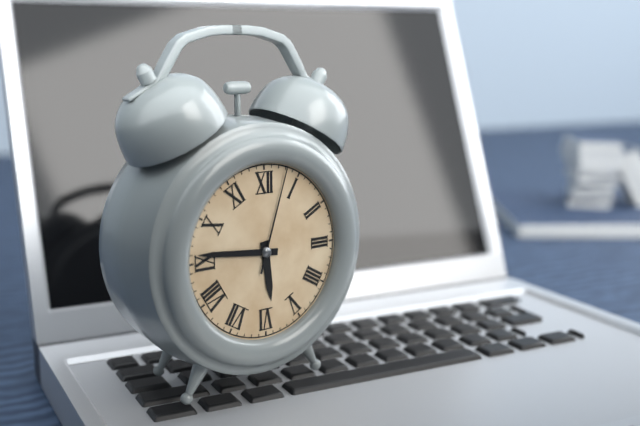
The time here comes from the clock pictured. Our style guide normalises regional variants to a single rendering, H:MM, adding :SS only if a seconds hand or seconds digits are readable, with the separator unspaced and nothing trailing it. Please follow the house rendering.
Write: 5:46:03
